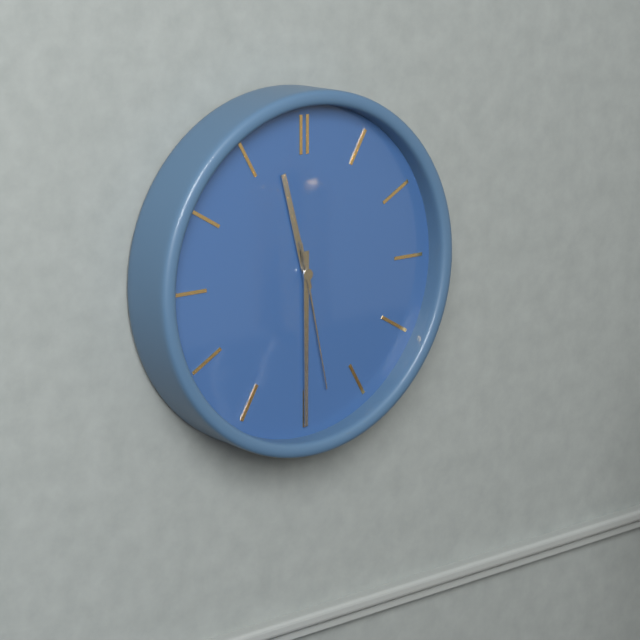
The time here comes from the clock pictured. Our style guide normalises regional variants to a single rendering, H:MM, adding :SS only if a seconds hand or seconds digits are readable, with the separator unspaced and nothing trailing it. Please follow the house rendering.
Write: 11:30:28
